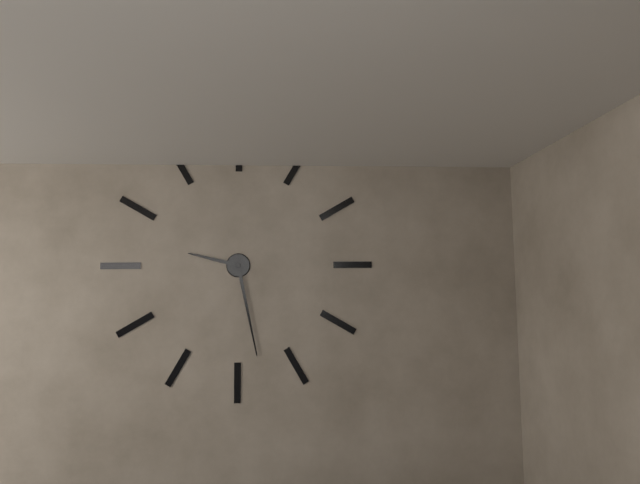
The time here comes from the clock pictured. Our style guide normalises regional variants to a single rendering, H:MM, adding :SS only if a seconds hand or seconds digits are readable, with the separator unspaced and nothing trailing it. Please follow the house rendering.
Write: 9:28
